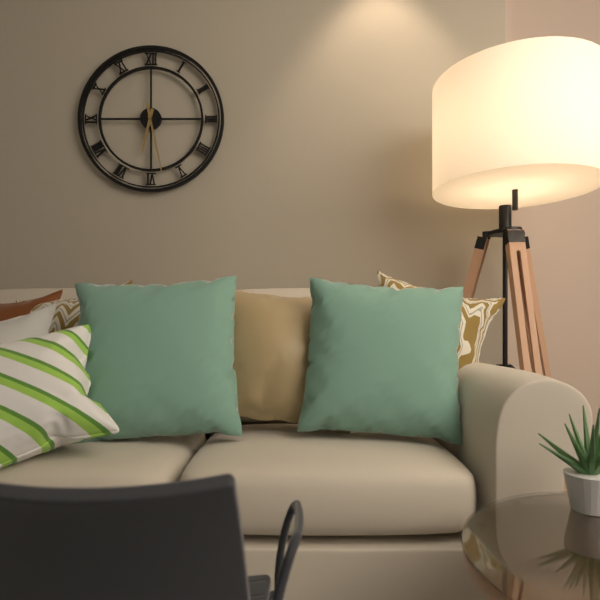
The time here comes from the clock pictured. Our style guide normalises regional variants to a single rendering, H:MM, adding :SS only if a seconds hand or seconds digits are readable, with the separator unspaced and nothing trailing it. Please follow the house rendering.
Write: 6:28
